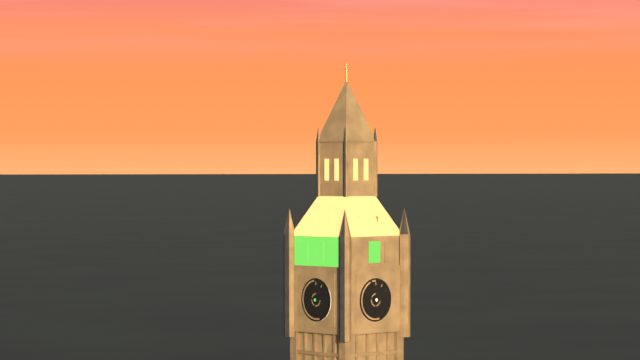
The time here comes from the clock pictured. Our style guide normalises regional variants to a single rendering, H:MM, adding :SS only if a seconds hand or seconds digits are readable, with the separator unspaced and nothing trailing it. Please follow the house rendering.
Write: 9:31
